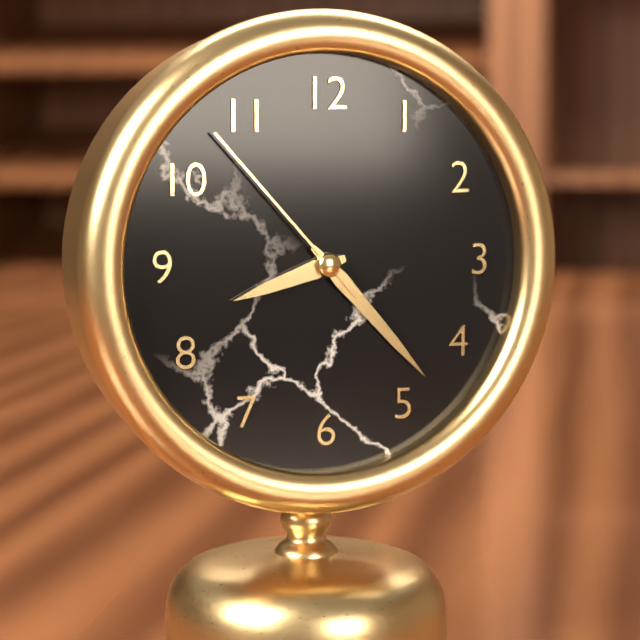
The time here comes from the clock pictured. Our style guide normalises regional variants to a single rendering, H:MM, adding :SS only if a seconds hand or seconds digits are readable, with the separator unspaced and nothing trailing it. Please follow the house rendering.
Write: 8:23:53
